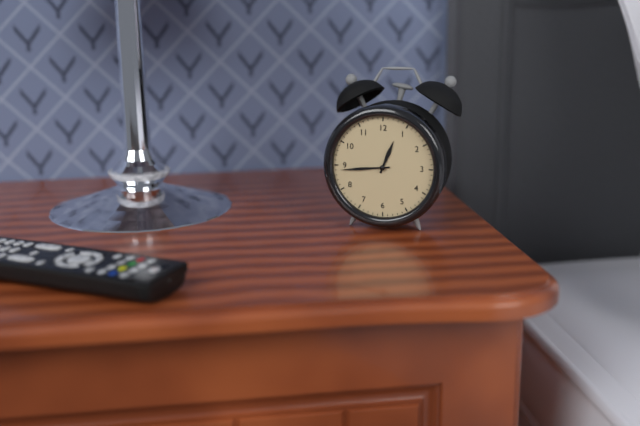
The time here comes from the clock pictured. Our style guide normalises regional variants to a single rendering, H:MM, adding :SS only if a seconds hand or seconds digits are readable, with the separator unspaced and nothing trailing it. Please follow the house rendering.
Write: 12:44
